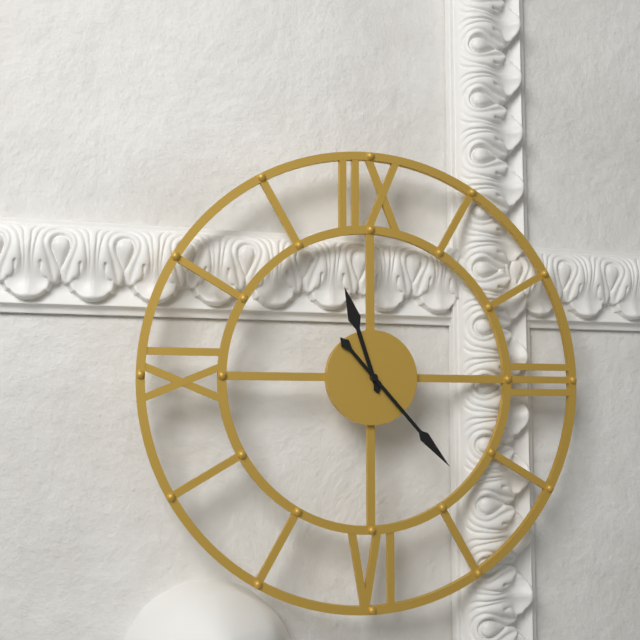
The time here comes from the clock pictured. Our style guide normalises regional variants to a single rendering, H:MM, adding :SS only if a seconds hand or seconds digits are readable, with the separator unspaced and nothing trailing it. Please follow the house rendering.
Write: 11:23
